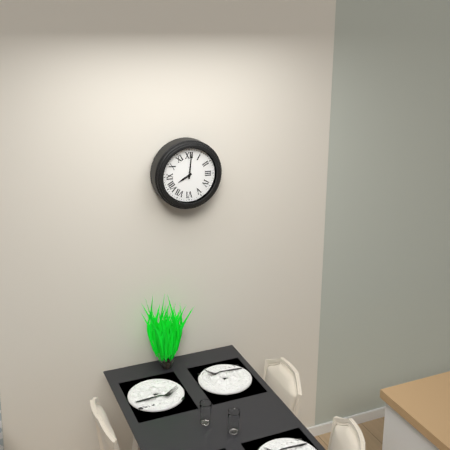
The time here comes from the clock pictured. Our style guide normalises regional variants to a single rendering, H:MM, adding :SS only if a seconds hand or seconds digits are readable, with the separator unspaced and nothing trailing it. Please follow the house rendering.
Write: 8:01
